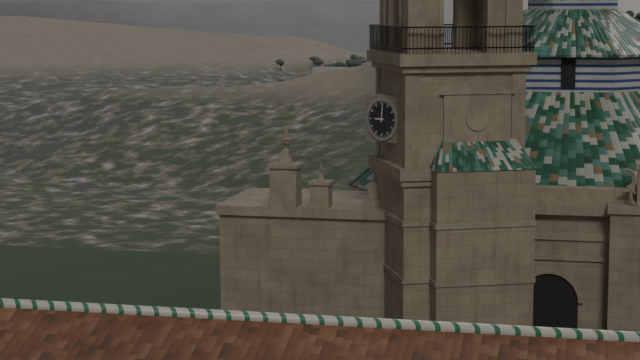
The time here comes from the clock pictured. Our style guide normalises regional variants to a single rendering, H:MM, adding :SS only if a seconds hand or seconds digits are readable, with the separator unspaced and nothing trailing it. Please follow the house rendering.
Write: 9:01
